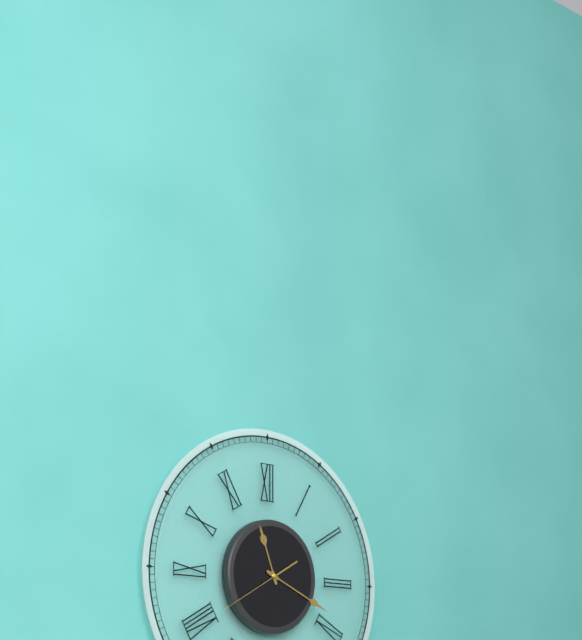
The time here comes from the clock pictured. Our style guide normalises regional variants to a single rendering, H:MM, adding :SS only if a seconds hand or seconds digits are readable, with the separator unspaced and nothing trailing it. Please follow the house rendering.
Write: 11:19:40
